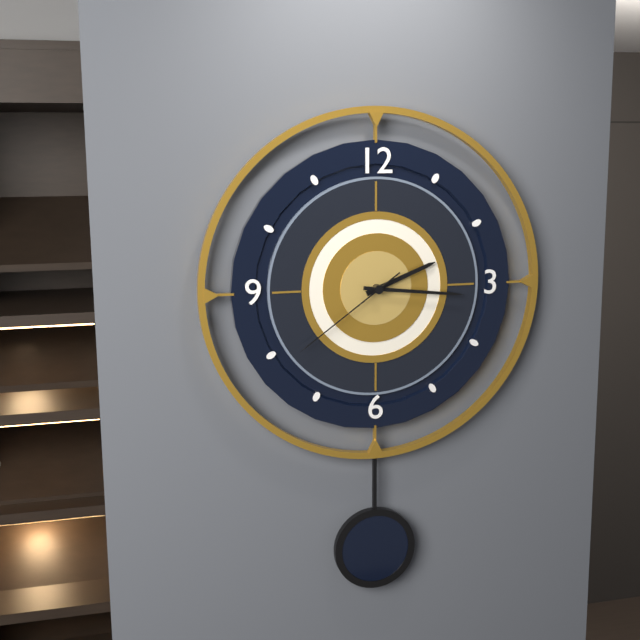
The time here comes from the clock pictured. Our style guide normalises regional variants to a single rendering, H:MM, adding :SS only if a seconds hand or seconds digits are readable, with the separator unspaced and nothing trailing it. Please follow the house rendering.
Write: 2:16:39
